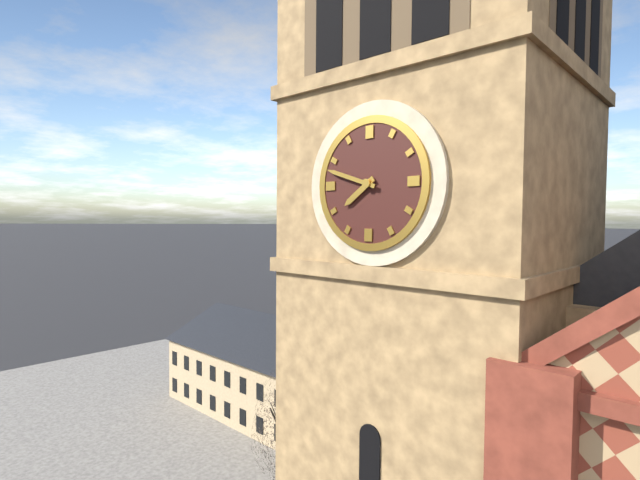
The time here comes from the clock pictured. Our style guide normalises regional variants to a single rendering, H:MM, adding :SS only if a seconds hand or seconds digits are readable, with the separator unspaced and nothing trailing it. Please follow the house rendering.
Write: 7:48
